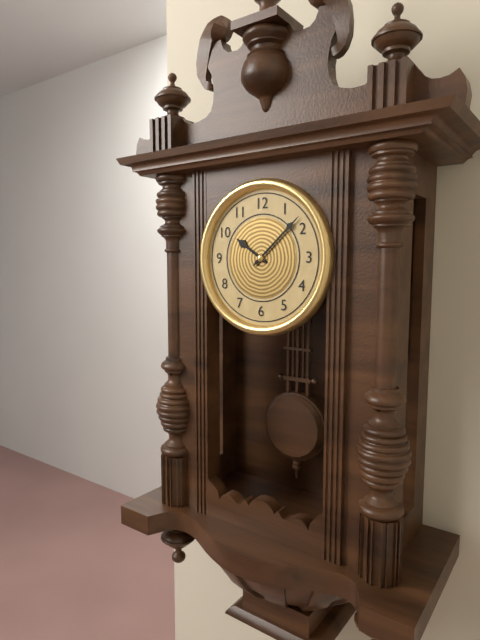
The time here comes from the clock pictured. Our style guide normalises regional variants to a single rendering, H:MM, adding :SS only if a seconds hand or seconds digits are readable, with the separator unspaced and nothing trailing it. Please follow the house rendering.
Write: 10:08
